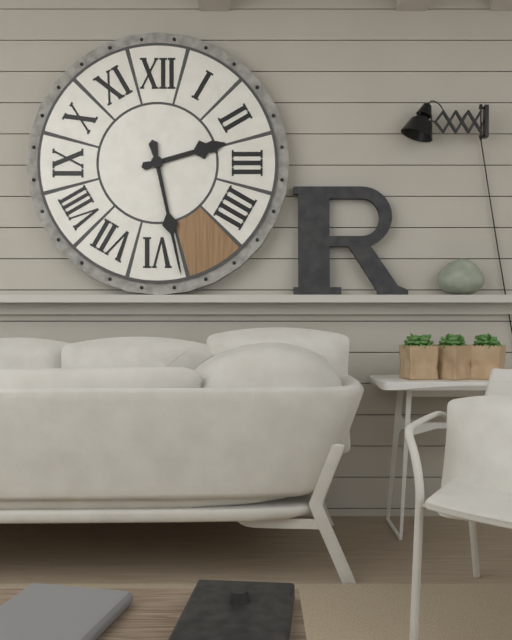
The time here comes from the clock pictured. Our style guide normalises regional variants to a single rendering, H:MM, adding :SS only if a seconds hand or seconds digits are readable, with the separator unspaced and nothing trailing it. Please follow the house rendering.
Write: 2:28
